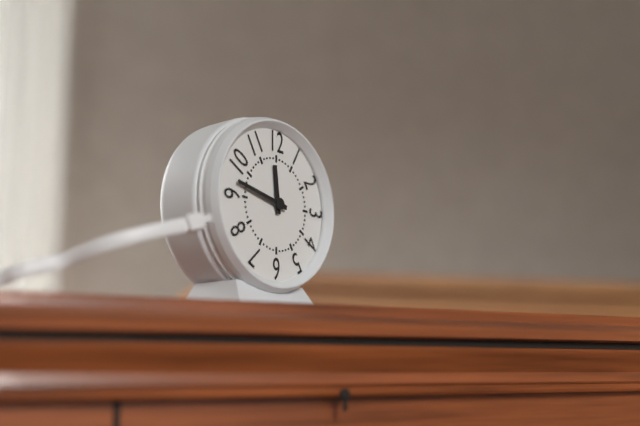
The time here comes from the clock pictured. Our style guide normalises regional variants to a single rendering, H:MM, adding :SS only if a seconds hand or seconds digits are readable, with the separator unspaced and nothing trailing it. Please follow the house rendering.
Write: 11:47
